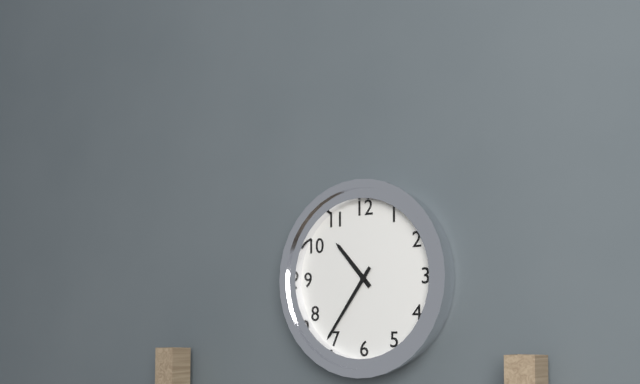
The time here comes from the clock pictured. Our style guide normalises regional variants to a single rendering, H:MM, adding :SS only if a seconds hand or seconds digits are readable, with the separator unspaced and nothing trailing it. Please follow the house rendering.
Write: 10:36
